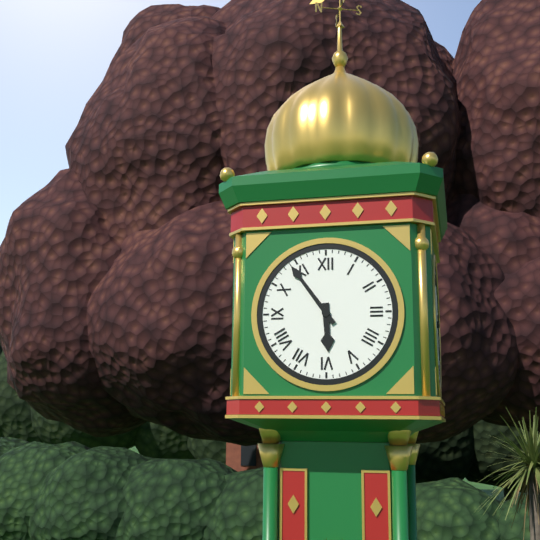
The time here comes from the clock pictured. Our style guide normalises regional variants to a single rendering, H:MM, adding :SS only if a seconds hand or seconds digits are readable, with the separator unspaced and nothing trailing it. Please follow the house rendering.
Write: 5:54
